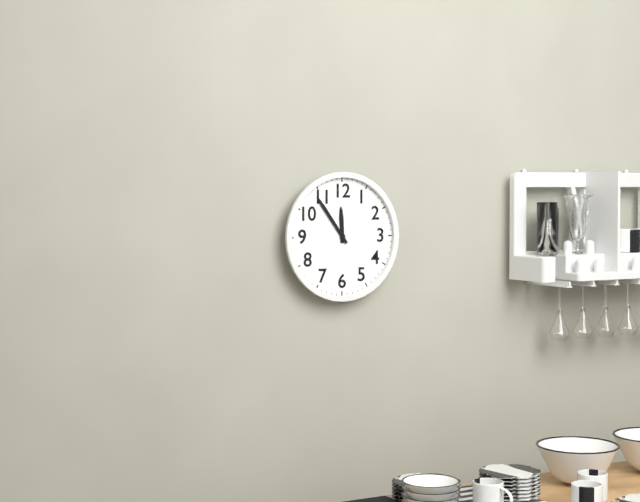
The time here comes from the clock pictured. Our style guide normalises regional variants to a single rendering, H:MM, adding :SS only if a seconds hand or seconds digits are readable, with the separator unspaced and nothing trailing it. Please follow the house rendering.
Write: 11:54
